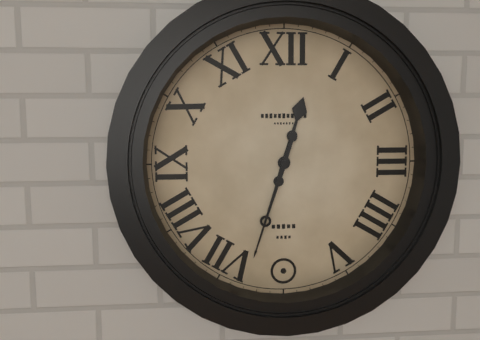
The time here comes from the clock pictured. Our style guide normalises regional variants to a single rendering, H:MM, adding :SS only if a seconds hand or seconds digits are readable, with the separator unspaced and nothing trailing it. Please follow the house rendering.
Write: 12:33
